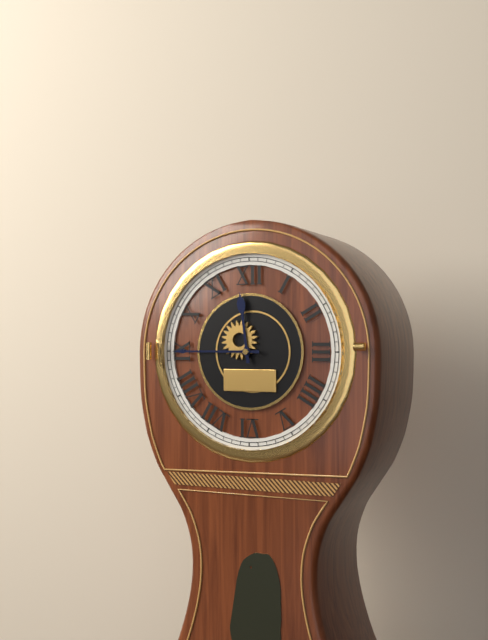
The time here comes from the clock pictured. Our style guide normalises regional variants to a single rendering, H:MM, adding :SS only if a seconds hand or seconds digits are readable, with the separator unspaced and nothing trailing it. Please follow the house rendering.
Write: 11:45
